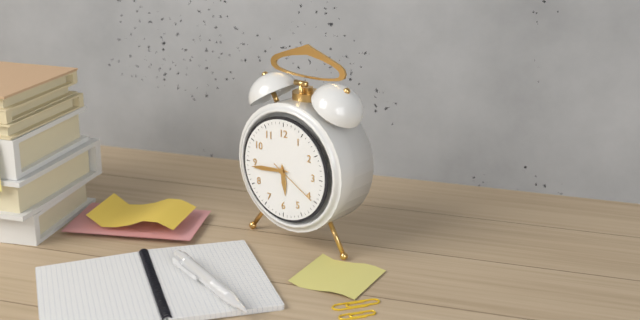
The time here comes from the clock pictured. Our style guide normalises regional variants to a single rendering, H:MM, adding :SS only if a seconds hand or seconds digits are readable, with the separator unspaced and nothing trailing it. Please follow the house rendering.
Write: 5:44:20
